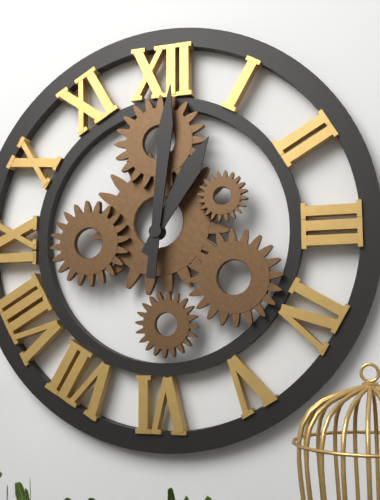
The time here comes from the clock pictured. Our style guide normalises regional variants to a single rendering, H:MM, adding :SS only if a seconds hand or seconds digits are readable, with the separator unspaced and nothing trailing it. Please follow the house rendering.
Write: 1:01
